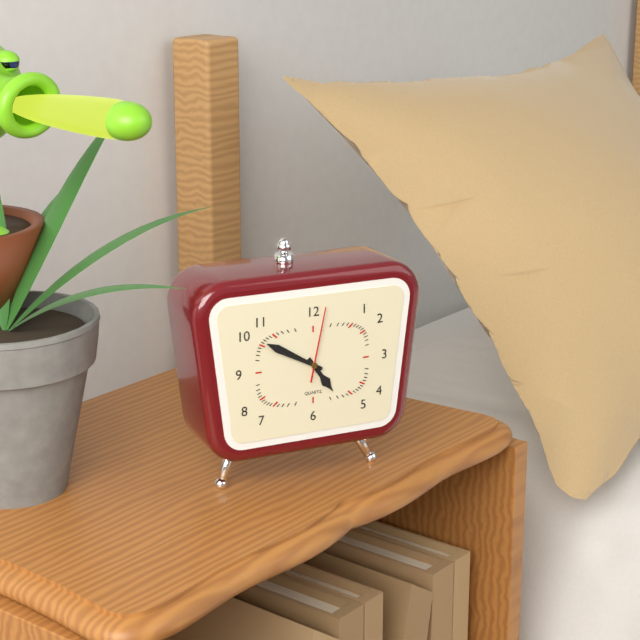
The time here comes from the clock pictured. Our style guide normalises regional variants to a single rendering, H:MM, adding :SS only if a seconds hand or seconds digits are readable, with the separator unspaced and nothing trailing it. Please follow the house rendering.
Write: 4:50:02
